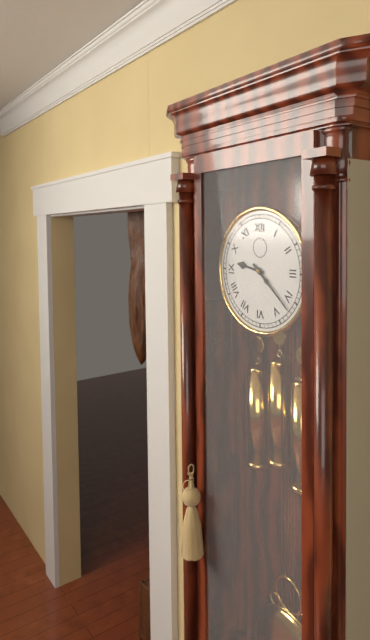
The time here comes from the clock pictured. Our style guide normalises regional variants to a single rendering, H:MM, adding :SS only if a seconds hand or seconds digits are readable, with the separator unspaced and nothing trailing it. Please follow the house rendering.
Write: 9:22
